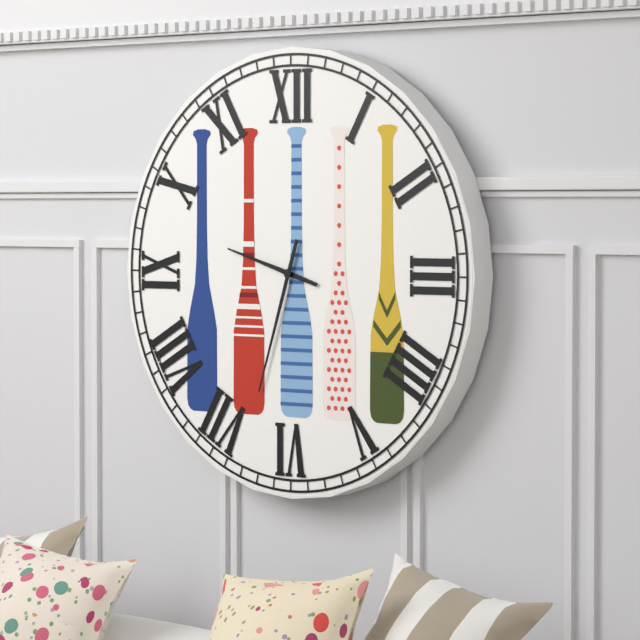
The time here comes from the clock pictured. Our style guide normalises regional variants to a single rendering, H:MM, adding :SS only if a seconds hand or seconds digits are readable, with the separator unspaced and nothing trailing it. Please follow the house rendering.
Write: 9:33
